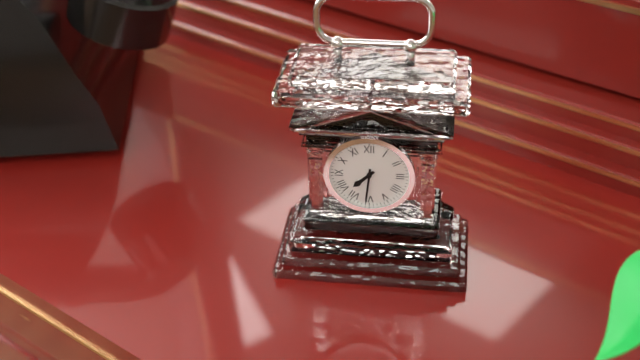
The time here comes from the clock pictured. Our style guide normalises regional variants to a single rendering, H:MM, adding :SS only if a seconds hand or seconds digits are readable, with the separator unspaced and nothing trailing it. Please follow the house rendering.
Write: 7:31
